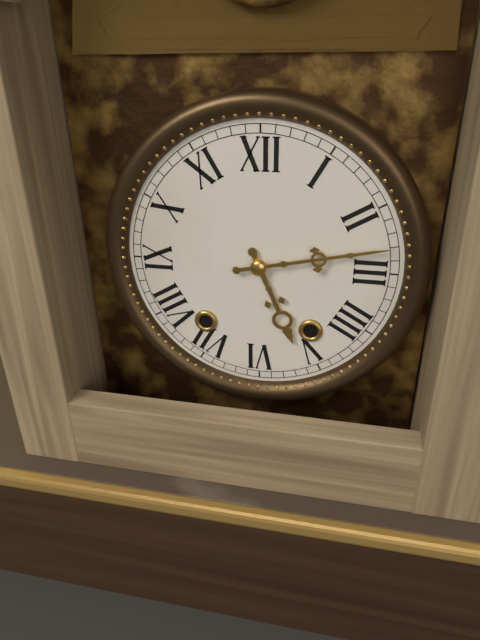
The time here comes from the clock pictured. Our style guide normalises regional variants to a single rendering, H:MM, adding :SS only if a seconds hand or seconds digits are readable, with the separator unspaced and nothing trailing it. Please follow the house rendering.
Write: 5:13
